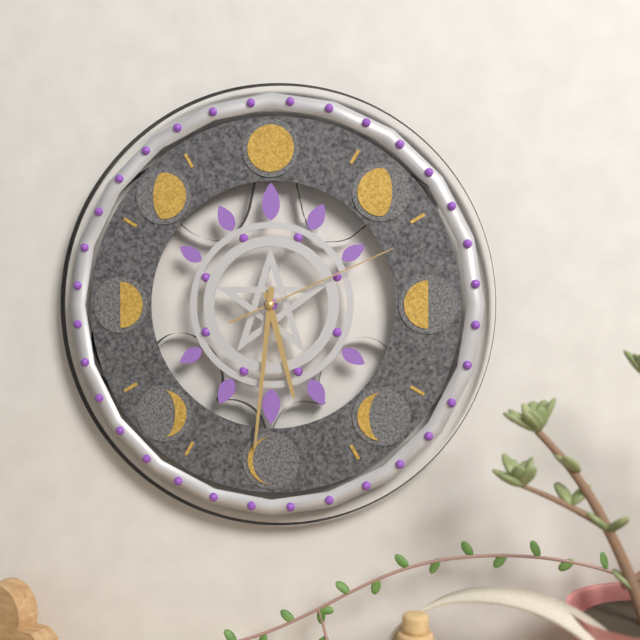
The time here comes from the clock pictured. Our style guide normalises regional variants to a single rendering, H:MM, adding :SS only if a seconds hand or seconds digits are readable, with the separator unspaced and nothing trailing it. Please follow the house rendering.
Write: 5:31:11
